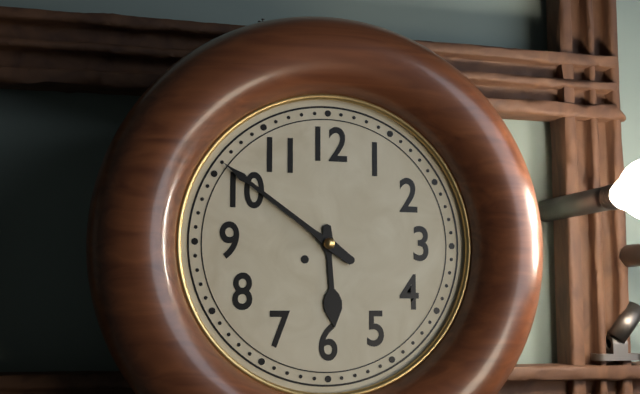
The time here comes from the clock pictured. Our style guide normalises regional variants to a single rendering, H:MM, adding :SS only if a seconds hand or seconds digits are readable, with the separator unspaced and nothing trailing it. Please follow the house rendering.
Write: 5:51
